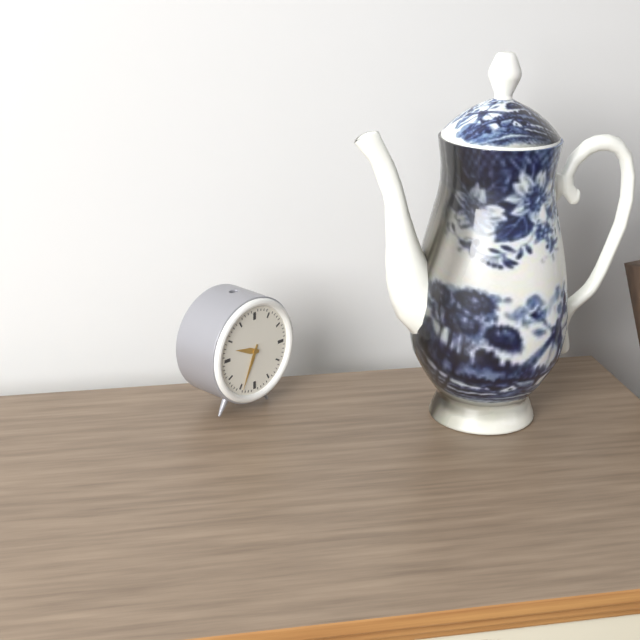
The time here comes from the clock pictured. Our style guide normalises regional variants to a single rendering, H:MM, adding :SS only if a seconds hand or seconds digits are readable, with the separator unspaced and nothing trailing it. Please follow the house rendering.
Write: 9:34
